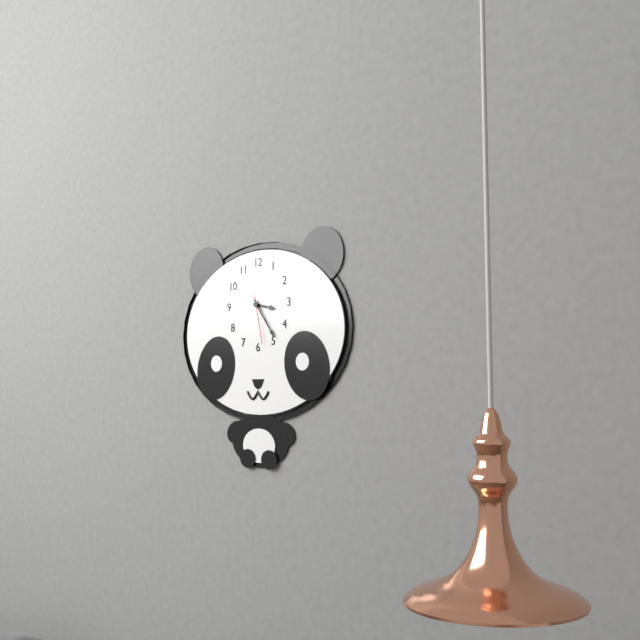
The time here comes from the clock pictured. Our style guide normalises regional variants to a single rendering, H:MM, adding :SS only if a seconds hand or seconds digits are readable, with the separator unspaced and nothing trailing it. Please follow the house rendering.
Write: 3:24
